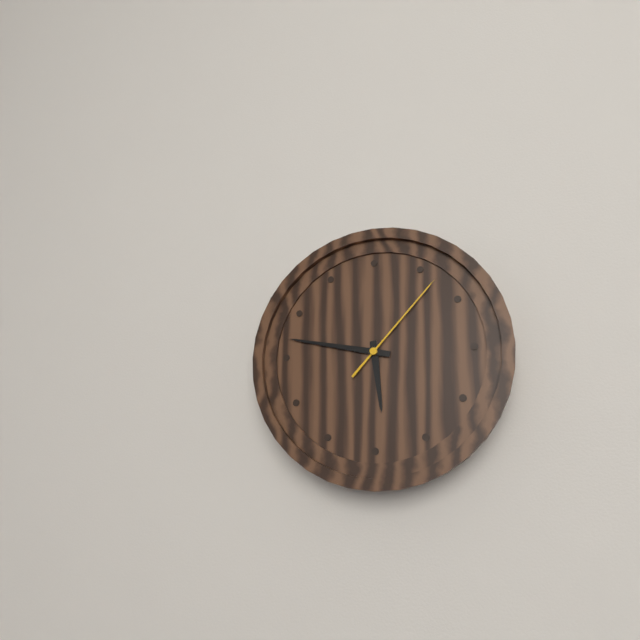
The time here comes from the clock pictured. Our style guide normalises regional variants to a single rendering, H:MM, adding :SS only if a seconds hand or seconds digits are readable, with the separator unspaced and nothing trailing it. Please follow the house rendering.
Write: 5:47:07
